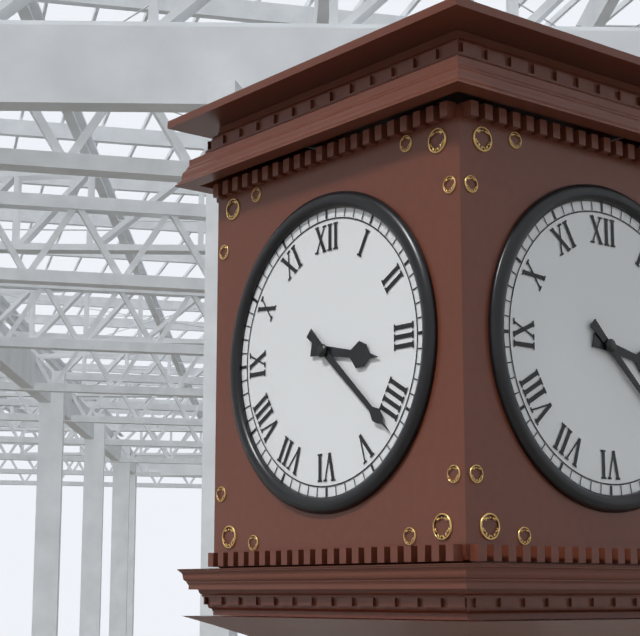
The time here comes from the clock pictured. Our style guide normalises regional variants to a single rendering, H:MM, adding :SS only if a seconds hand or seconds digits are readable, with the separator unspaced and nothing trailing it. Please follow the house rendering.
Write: 3:22
